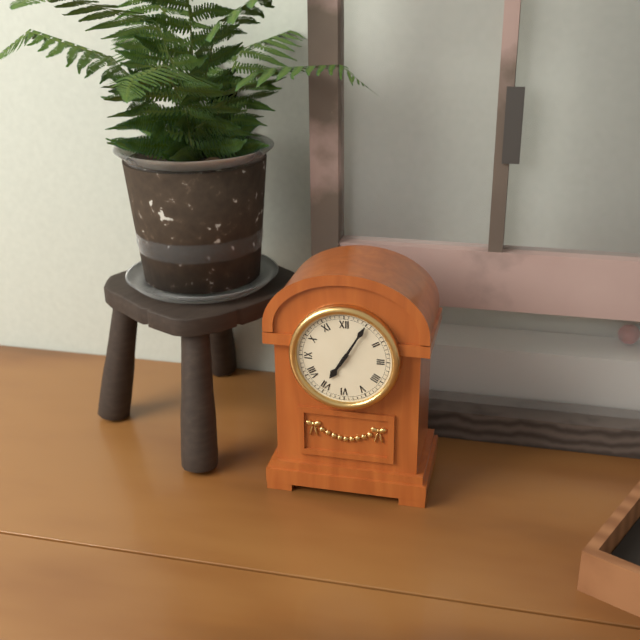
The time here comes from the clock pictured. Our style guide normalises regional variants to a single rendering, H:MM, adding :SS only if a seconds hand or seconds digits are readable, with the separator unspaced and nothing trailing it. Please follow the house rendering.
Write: 7:05
